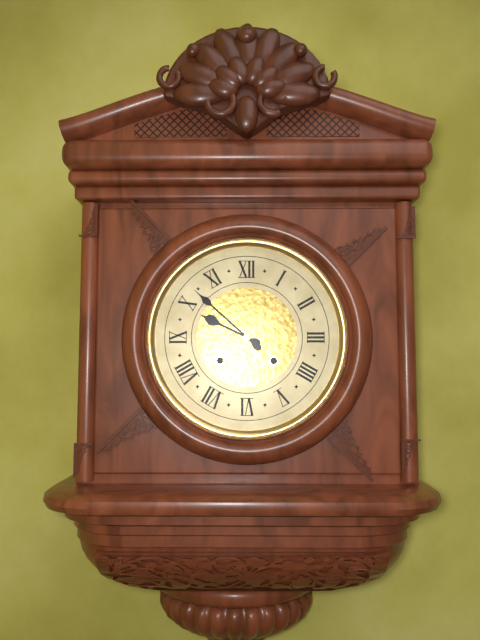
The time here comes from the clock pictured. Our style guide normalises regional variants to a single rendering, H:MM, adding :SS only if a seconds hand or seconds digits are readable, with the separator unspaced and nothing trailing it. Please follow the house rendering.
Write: 9:52
